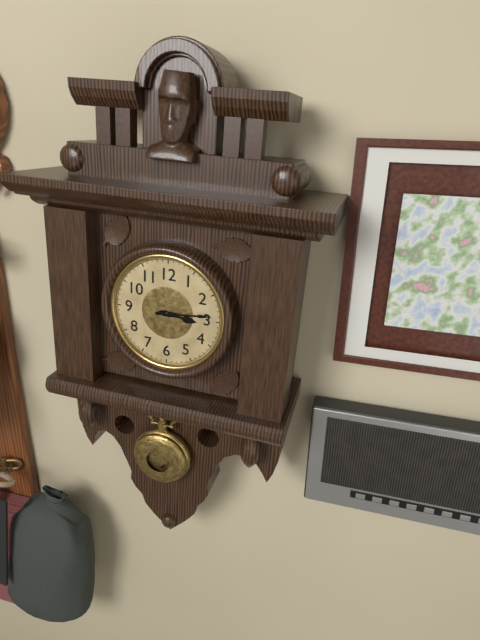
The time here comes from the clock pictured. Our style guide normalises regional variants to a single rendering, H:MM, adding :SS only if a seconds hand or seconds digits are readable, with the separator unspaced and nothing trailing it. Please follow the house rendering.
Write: 3:14
